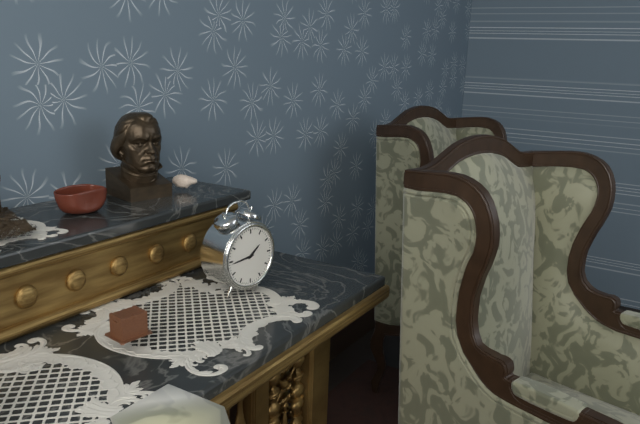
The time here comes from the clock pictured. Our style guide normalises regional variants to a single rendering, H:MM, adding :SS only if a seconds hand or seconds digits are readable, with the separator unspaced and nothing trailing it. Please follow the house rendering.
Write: 1:44
